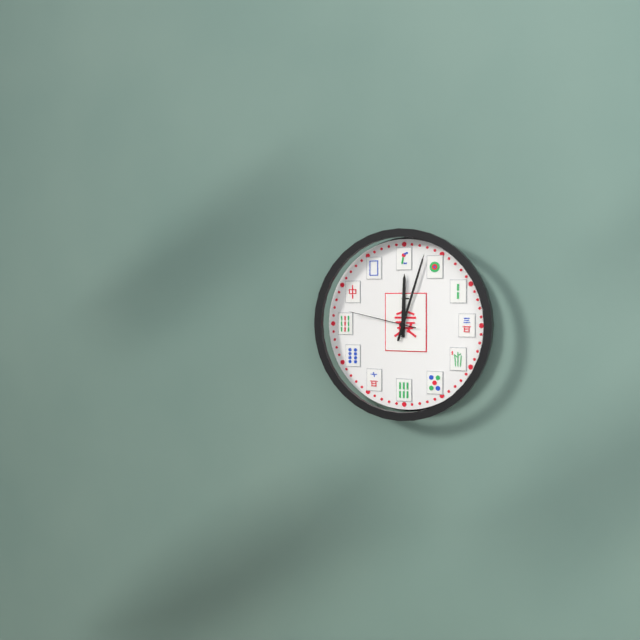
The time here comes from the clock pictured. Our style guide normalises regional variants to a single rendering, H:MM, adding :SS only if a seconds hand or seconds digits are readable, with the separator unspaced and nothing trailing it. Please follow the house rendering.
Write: 12:03:47
